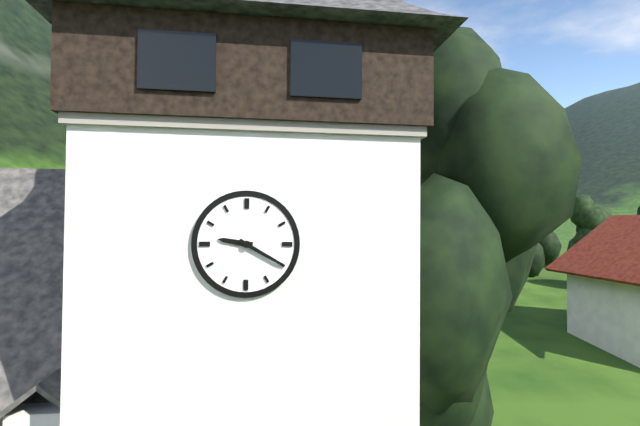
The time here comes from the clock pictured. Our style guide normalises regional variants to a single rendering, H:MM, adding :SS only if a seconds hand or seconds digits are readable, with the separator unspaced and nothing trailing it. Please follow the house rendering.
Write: 9:20
